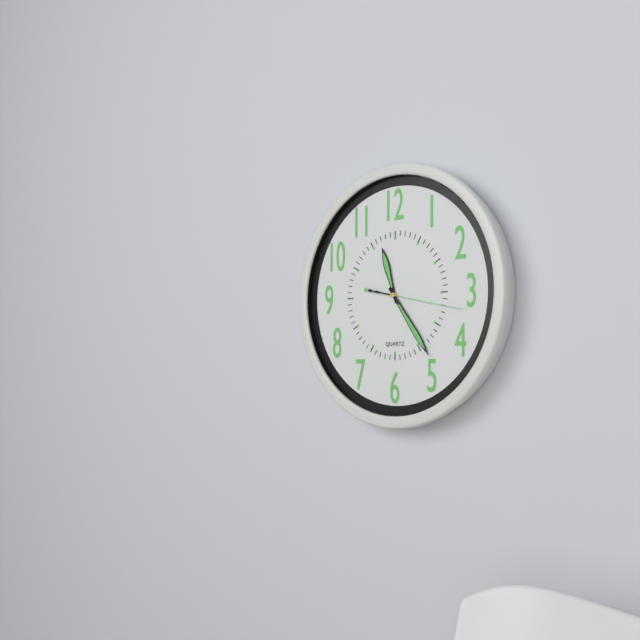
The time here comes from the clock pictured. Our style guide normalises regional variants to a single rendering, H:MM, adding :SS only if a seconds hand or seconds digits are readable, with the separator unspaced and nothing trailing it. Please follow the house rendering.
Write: 11:24:17
